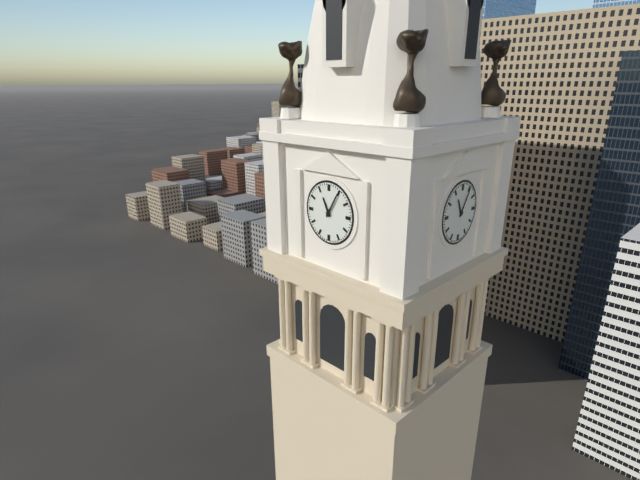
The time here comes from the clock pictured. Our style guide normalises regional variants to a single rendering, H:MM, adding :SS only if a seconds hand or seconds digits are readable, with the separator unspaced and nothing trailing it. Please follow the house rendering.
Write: 11:05
